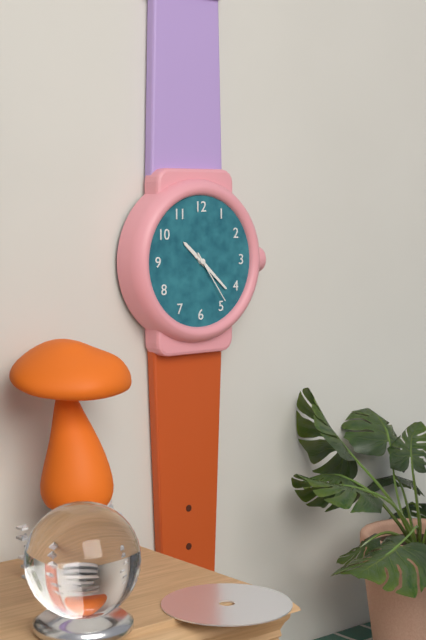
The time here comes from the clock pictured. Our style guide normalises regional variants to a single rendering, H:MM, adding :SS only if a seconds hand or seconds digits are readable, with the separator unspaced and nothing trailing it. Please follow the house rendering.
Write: 10:22:24
